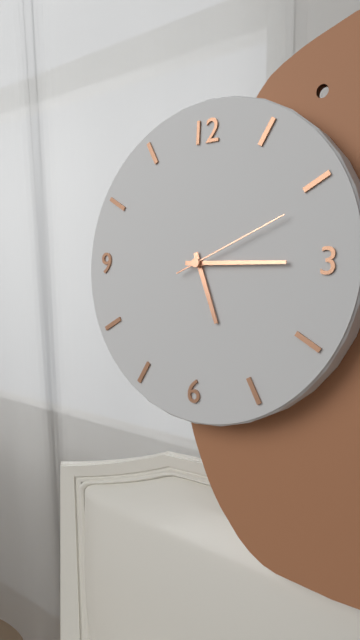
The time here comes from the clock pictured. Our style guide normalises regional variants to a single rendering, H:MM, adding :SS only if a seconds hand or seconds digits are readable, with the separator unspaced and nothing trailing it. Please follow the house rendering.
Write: 5:15:11
